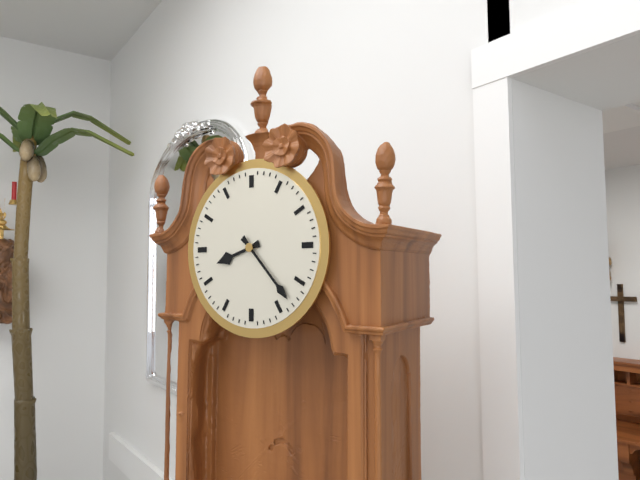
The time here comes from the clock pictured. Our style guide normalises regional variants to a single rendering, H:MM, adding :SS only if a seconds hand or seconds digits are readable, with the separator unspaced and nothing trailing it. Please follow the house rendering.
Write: 8:23
